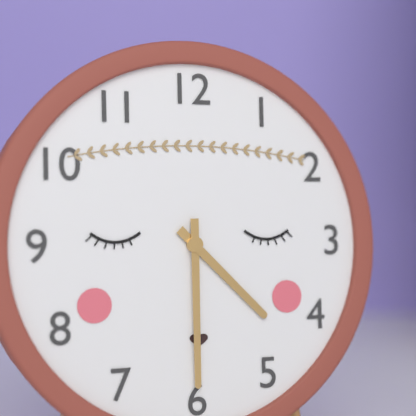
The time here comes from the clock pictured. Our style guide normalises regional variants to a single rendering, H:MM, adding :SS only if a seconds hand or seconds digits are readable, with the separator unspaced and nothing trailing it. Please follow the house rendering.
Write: 4:30
